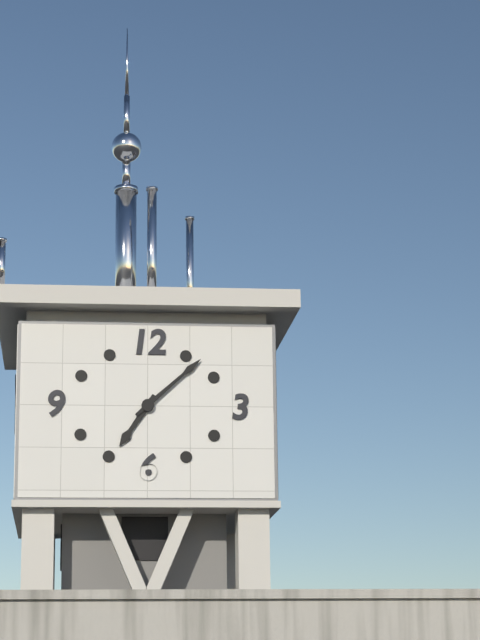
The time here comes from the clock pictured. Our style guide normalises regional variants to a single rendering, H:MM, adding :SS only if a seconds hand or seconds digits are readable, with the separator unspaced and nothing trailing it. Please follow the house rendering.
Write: 7:08
